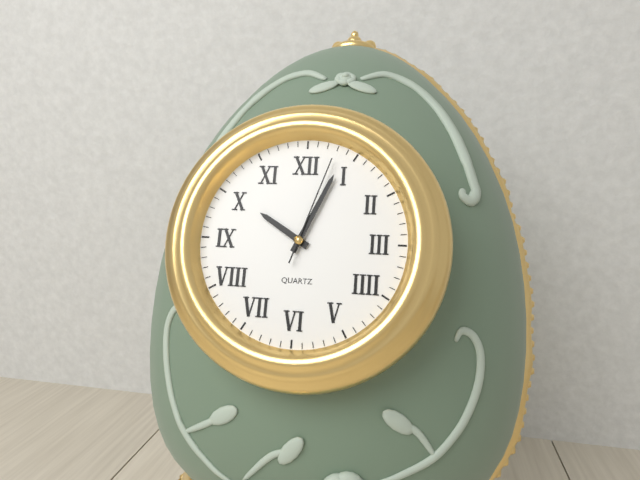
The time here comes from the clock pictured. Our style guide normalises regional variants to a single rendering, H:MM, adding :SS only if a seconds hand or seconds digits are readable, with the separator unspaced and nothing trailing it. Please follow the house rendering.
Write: 10:04:03
